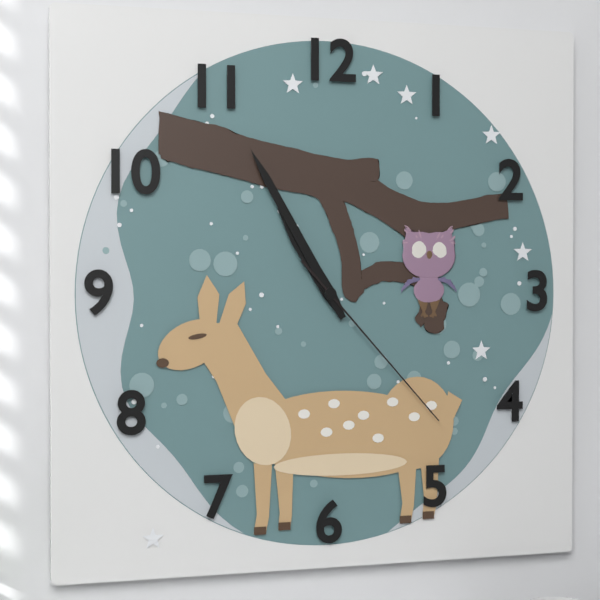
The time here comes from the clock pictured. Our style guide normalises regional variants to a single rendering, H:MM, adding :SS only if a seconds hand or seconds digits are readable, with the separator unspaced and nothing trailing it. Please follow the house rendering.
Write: 10:55:23
